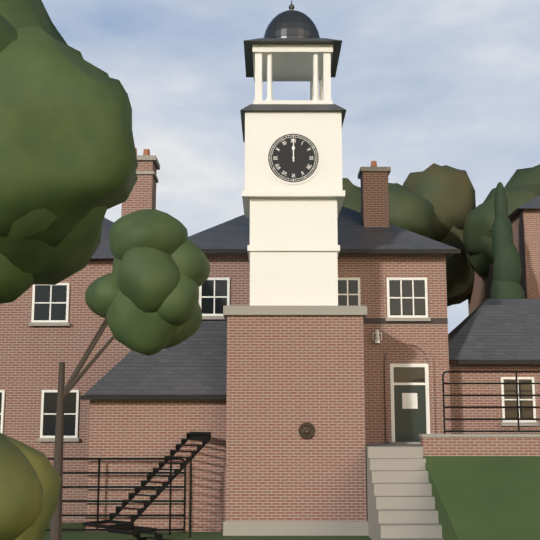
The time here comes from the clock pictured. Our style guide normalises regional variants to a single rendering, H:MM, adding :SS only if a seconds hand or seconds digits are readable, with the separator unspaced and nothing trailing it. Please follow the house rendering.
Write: 12:00
